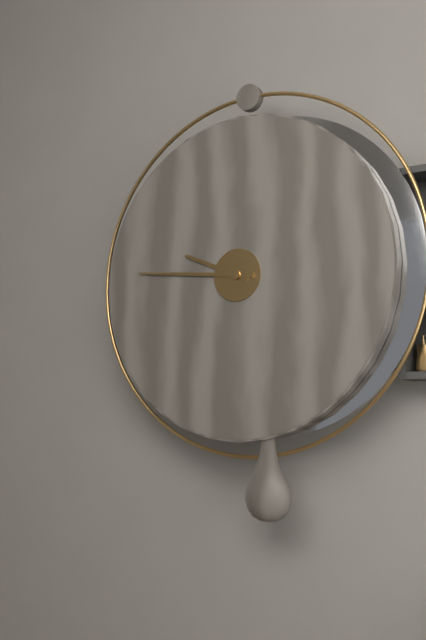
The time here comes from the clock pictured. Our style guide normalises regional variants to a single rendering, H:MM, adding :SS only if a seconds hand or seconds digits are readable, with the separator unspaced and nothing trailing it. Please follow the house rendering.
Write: 9:46
